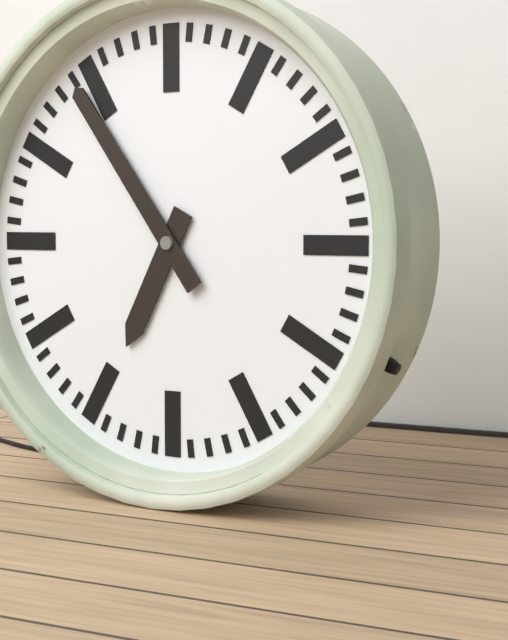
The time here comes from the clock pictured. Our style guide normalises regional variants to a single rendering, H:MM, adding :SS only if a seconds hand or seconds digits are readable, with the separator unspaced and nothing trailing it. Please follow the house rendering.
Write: 6:54
